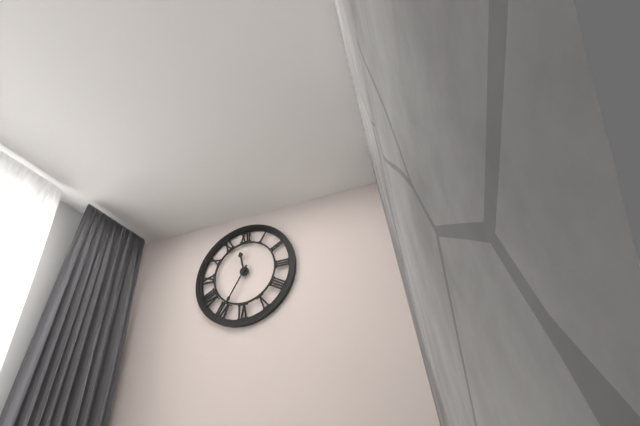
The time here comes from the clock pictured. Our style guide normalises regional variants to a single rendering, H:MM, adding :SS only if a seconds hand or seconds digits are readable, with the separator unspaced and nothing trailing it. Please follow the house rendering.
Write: 11:35
